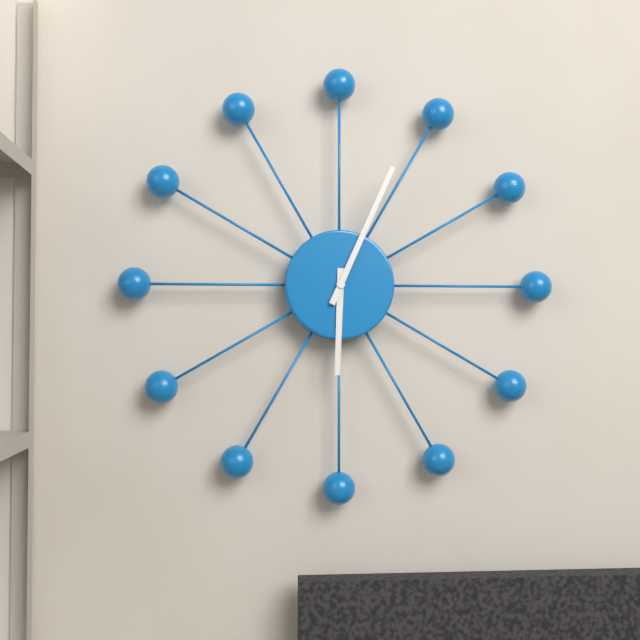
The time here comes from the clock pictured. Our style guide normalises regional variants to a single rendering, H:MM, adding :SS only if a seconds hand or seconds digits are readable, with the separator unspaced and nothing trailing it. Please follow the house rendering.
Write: 6:04
